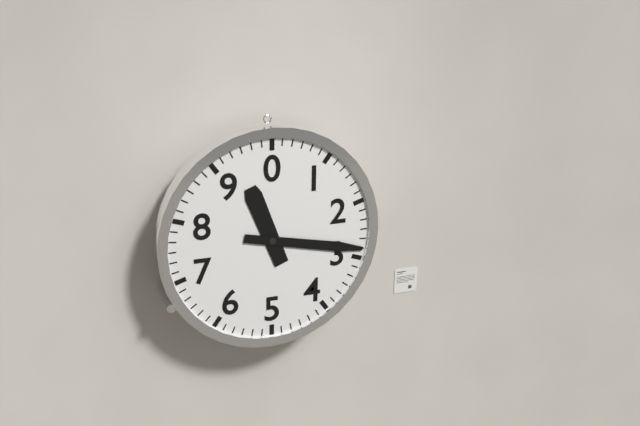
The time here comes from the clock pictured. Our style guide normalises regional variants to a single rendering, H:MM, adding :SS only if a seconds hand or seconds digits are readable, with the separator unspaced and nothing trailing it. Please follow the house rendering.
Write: 11:17
